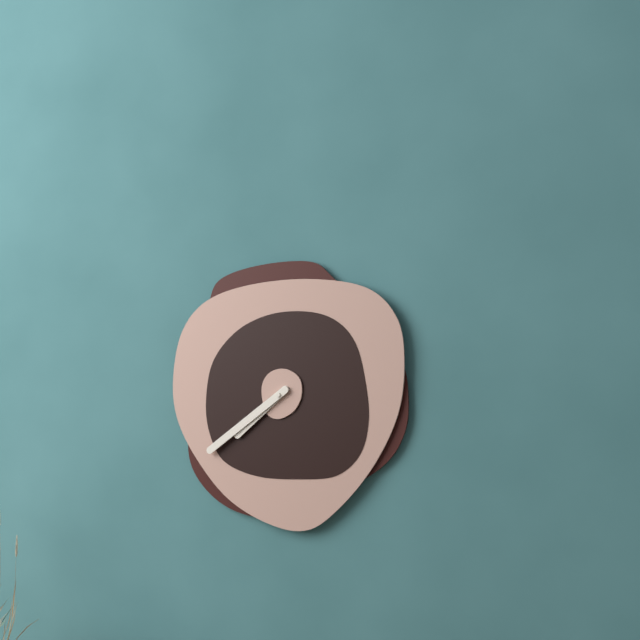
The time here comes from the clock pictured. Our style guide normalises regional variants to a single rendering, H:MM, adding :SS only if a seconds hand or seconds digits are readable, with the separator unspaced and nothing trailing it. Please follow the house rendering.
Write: 7:39
